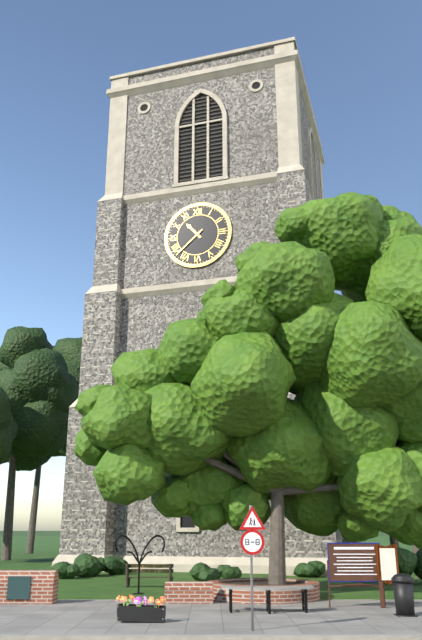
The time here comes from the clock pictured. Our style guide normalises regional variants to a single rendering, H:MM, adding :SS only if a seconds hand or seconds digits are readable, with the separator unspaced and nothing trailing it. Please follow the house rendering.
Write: 10:38
